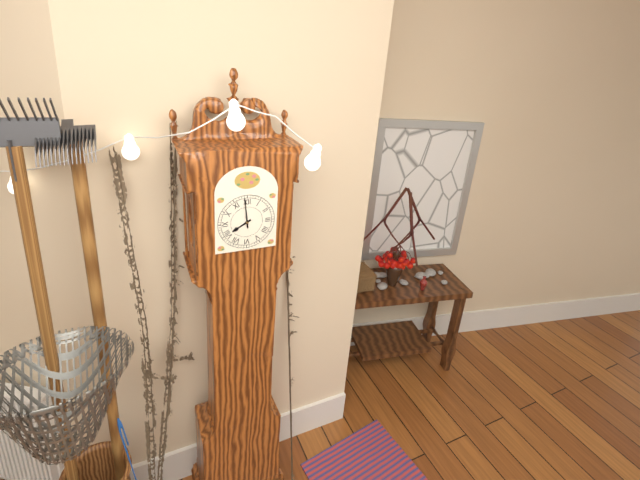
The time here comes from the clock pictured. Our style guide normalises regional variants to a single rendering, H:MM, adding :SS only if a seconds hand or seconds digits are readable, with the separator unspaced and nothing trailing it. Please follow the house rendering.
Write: 7:59
